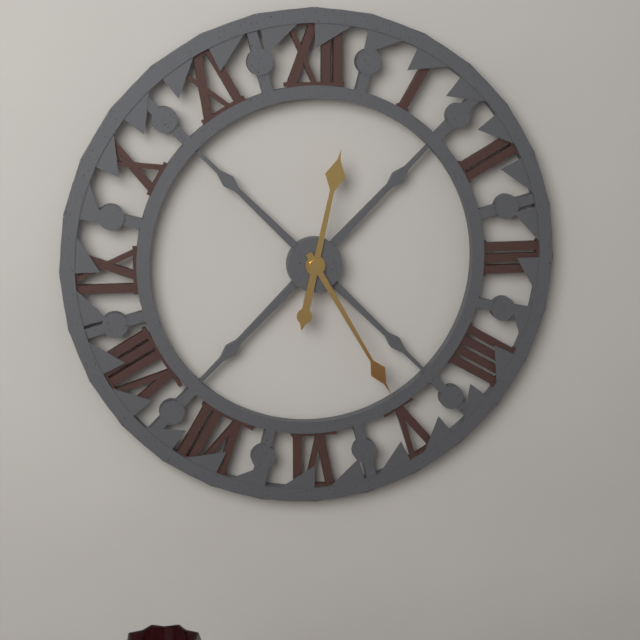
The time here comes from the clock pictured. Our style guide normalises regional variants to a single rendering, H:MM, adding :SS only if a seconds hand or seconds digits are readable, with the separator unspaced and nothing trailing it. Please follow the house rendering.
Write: 12:25
